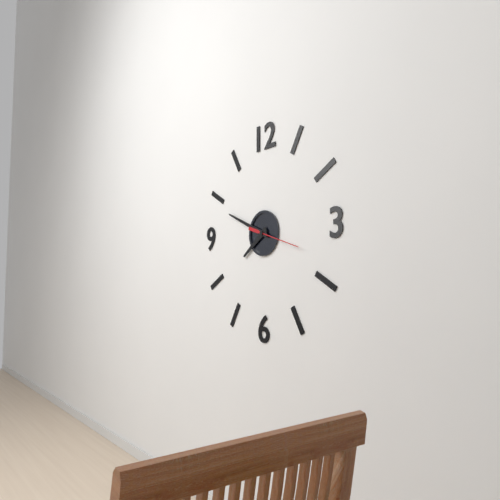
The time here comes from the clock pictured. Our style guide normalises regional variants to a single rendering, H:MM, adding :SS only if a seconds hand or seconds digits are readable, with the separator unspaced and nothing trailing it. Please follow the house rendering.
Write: 7:49
